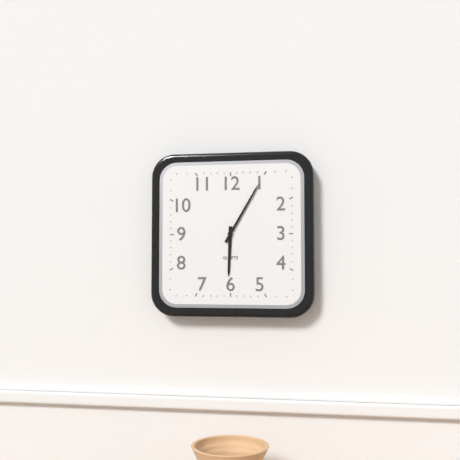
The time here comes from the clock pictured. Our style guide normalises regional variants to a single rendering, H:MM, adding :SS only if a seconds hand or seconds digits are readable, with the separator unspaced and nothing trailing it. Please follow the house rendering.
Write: 6:05
